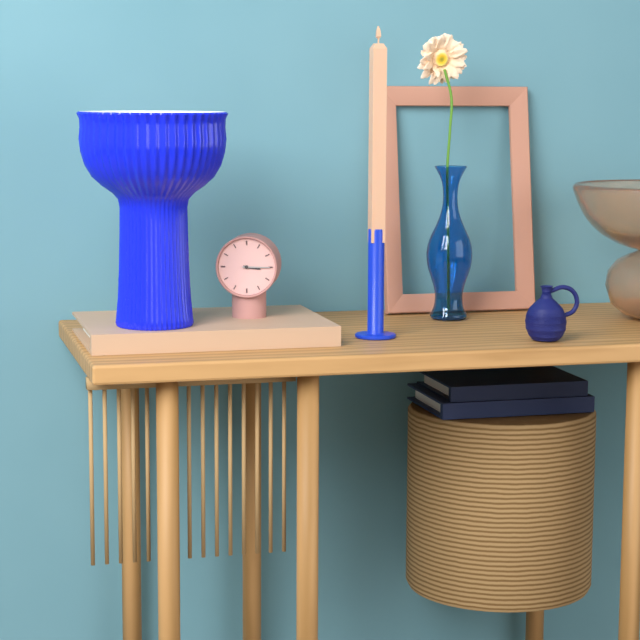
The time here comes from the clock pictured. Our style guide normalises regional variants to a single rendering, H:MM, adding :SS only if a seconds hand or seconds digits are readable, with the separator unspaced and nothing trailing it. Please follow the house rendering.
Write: 3:15
